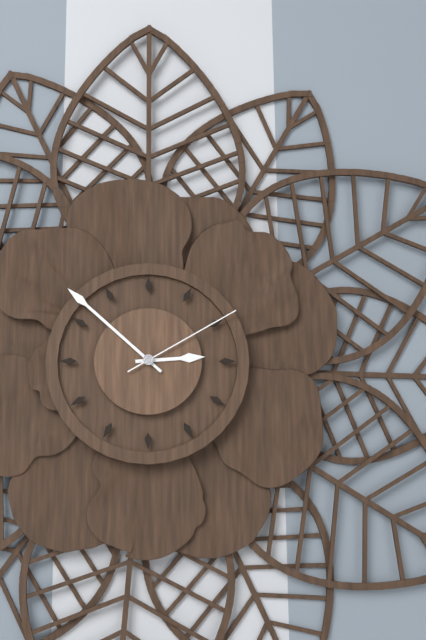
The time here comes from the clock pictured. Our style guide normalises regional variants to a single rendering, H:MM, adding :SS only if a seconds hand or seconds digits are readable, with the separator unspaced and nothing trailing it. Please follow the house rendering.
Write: 2:52:10
